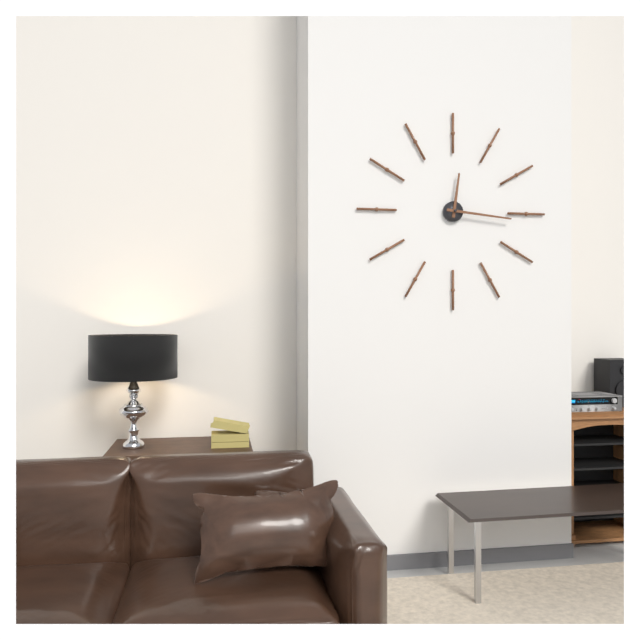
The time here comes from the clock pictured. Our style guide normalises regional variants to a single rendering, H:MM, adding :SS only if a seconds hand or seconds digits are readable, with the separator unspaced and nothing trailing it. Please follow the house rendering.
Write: 12:16
